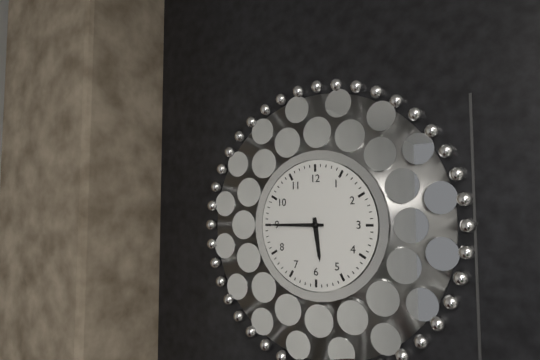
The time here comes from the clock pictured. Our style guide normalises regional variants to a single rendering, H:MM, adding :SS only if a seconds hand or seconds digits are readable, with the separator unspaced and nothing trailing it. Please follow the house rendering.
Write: 5:45
